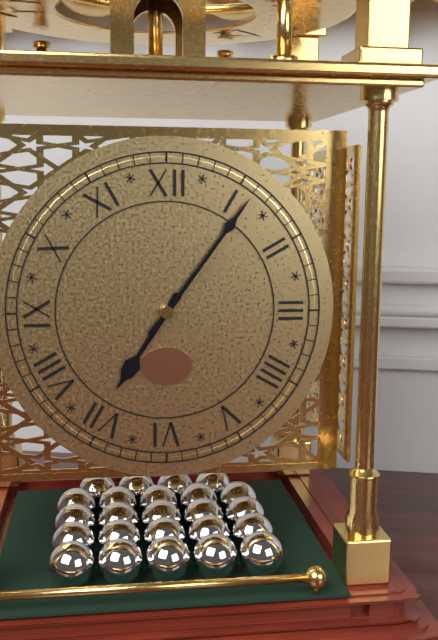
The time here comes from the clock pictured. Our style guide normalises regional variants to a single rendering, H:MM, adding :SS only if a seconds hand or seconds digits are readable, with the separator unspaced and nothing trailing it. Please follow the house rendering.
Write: 7:06
